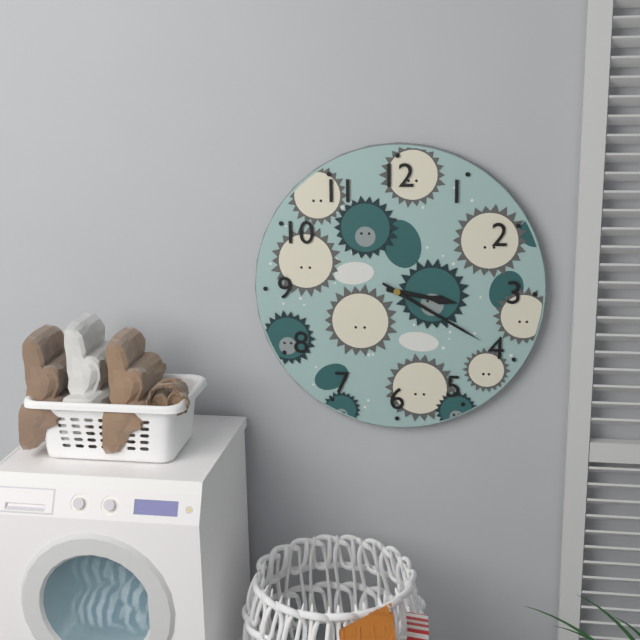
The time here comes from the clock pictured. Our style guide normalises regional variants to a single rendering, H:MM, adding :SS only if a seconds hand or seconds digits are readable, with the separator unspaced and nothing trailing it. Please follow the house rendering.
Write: 3:20
